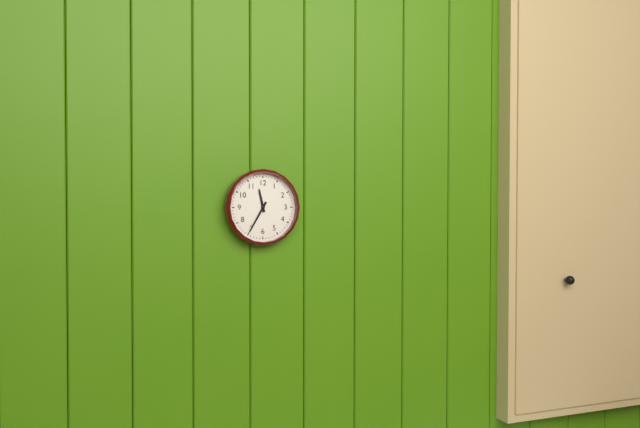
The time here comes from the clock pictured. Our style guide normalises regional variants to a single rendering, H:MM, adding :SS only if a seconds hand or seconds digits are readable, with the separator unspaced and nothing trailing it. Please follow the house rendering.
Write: 11:35
